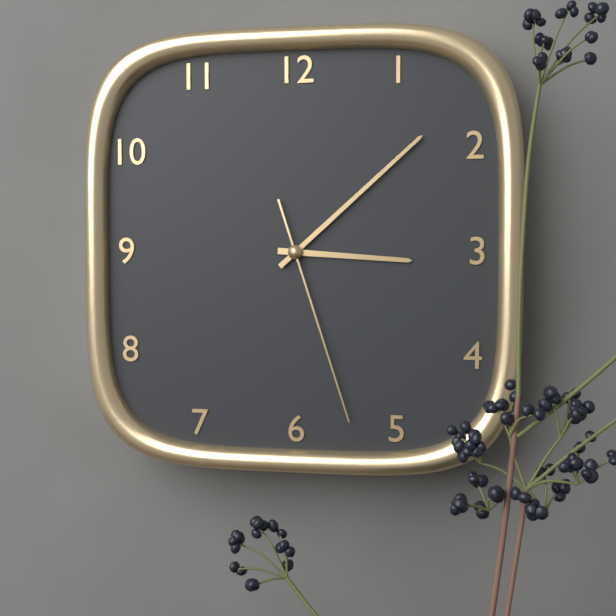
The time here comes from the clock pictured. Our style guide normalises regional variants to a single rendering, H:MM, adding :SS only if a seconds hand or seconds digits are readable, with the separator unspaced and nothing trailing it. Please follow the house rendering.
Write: 3:08:27
